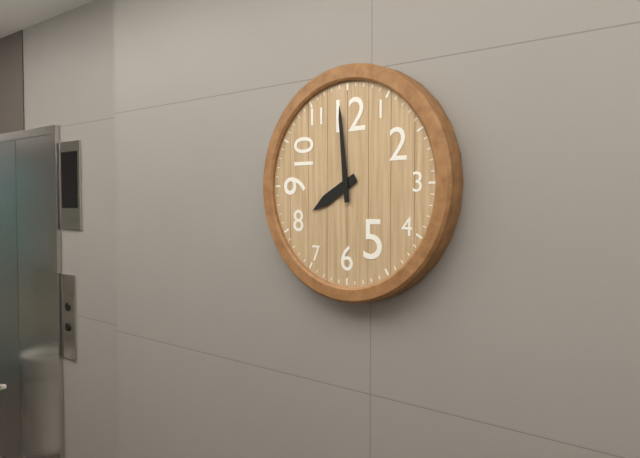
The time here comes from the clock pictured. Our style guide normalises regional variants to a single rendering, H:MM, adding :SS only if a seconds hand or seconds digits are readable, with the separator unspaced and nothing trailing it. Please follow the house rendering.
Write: 7:59
